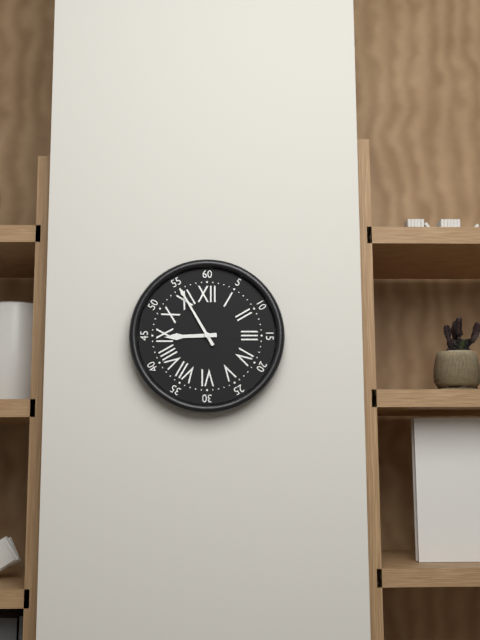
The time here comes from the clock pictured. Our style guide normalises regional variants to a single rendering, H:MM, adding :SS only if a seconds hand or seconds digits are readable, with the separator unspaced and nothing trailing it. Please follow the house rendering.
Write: 8:55
